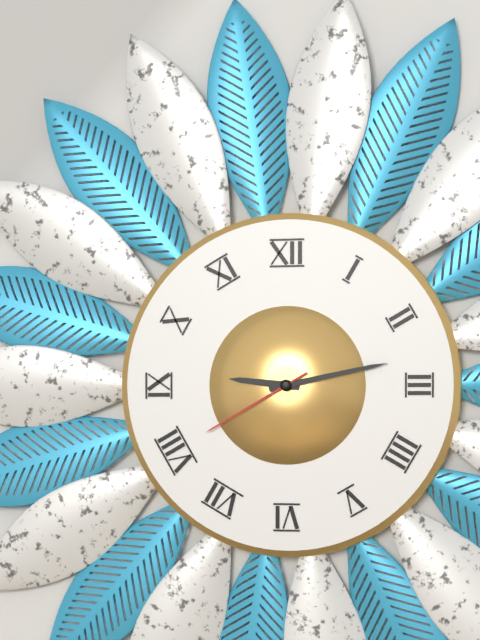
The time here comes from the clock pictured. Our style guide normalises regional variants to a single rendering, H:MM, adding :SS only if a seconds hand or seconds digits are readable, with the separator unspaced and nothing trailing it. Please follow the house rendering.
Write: 9:13:40
